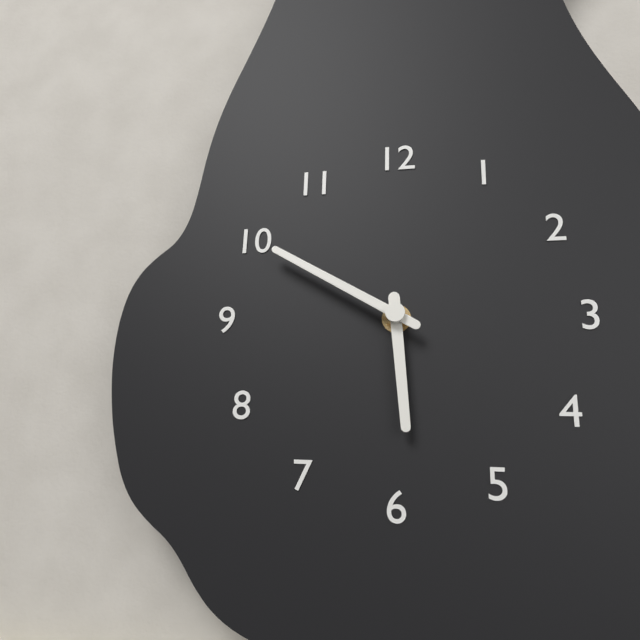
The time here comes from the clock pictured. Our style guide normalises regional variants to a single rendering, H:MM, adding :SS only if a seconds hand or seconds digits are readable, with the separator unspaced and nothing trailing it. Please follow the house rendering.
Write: 5:50
